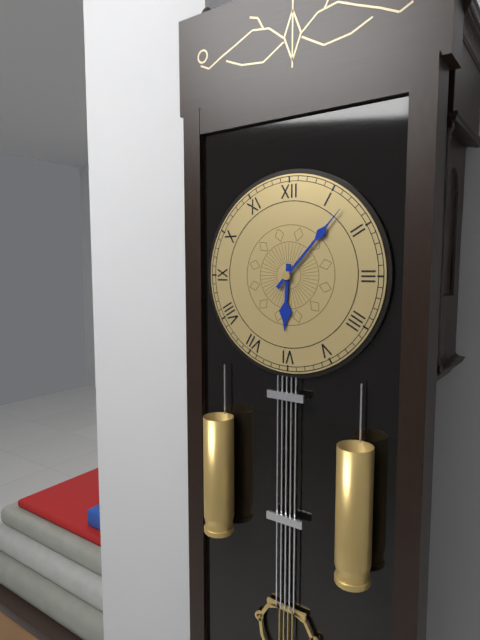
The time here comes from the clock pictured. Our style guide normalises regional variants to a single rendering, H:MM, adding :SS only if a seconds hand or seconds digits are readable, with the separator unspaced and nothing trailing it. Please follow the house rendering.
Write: 6:07
